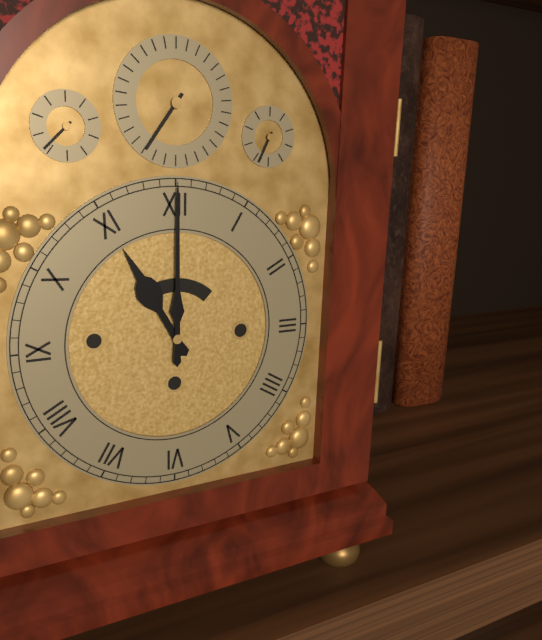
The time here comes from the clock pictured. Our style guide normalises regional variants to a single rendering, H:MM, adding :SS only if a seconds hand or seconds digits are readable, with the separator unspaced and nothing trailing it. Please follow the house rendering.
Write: 11:00
